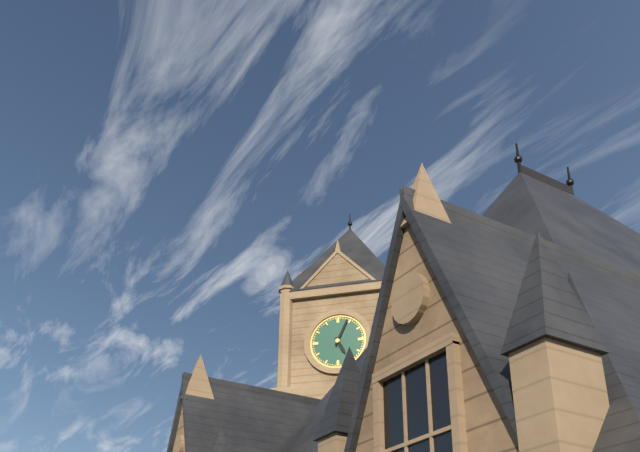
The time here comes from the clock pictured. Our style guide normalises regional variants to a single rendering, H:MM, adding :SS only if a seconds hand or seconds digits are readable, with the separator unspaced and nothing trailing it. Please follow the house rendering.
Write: 5:04
